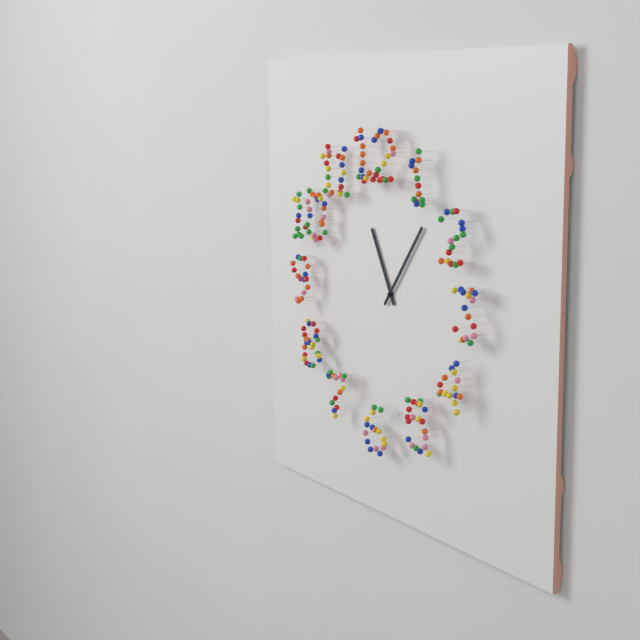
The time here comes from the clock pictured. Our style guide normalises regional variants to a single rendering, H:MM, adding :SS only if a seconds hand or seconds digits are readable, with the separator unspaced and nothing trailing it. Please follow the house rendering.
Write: 11:06
